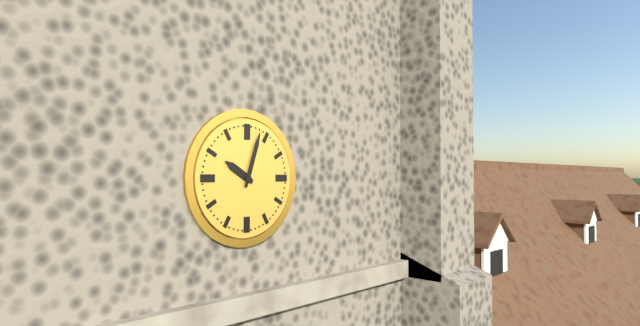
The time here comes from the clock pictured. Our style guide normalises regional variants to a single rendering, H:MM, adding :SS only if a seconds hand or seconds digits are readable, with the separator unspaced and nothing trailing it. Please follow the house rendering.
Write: 10:03
